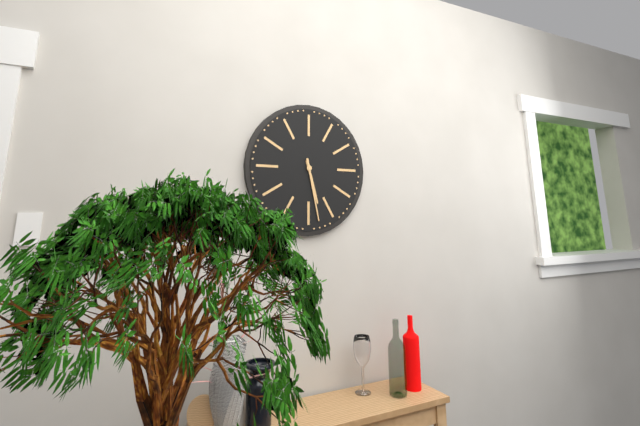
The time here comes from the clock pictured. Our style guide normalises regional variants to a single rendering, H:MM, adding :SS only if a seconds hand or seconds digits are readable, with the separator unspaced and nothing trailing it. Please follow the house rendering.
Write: 5:28
